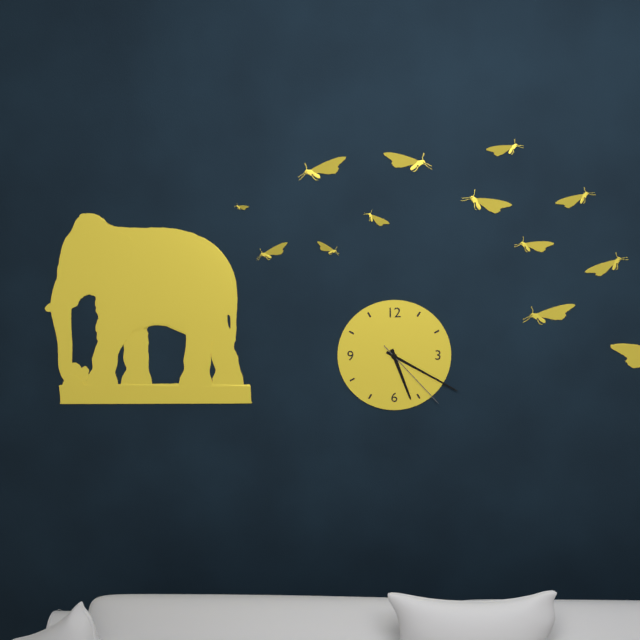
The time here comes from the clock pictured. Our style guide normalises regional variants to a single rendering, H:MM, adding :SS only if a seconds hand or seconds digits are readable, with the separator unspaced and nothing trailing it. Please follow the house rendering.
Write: 5:20:23
